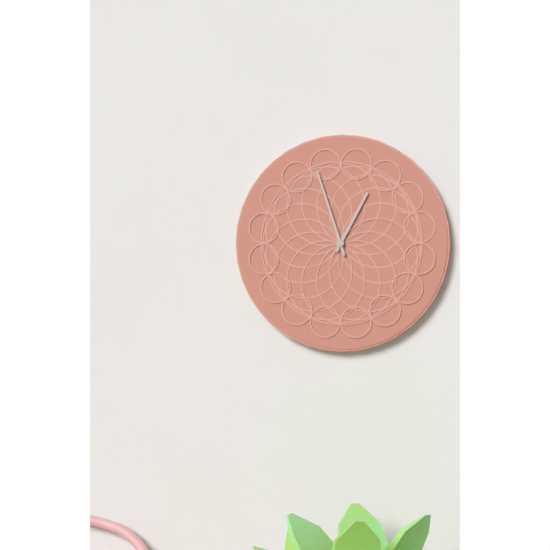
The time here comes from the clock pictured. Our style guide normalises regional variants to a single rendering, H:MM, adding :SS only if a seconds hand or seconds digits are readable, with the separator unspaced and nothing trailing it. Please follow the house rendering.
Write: 12:57
